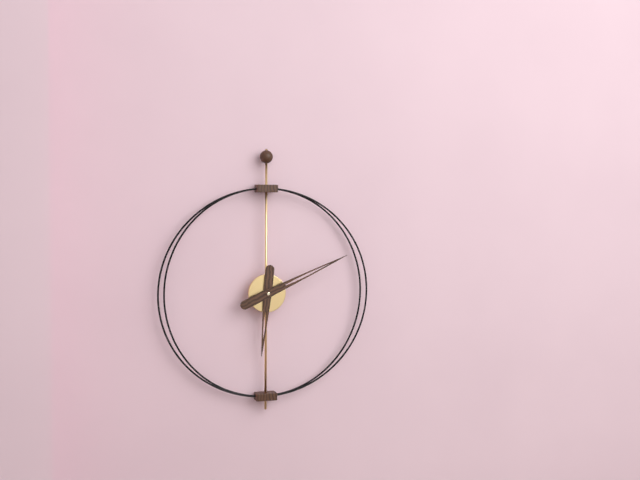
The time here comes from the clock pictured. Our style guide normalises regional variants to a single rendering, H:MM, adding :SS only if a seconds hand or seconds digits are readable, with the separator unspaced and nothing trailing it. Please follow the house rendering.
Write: 6:11
